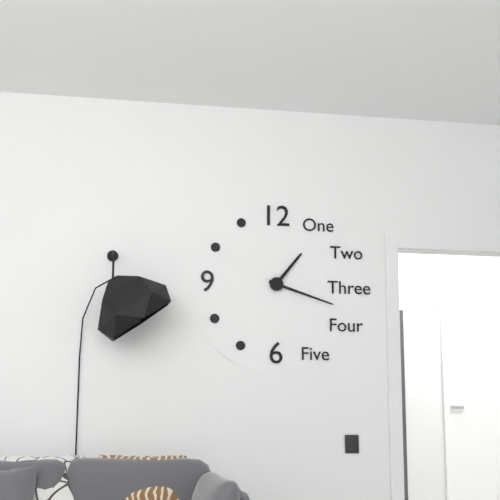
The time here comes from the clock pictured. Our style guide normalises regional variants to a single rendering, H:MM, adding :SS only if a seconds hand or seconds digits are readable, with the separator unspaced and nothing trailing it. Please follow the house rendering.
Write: 1:18
